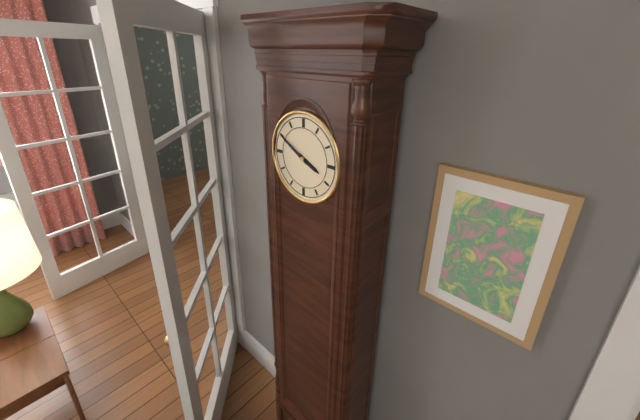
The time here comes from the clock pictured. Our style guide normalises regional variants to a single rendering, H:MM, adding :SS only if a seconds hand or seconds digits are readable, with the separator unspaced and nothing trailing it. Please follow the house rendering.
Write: 3:50
